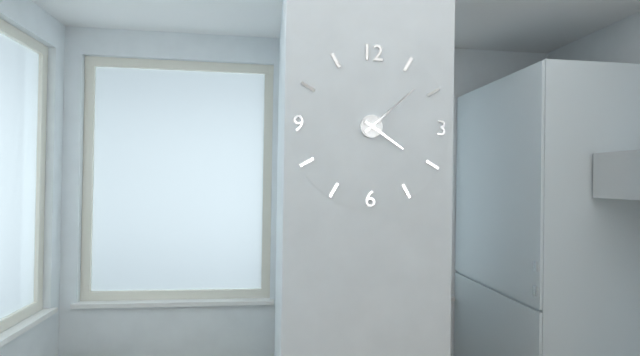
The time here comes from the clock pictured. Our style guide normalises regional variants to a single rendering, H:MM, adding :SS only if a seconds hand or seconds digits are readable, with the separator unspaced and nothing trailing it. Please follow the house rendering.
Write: 4:08
